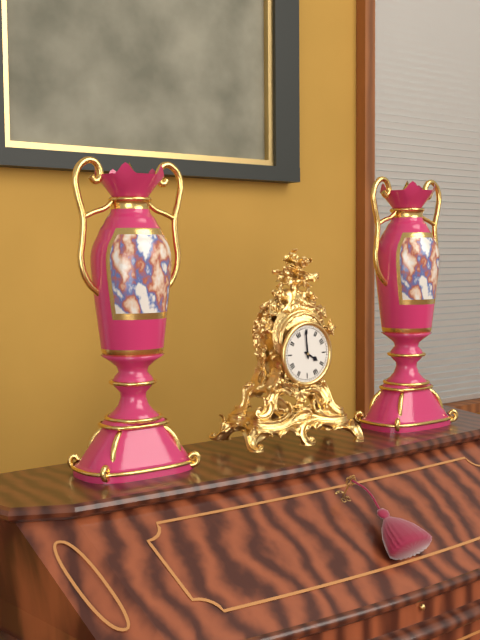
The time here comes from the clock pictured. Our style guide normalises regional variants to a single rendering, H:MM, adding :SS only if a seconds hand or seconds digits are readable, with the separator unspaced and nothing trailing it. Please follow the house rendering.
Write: 3:59
